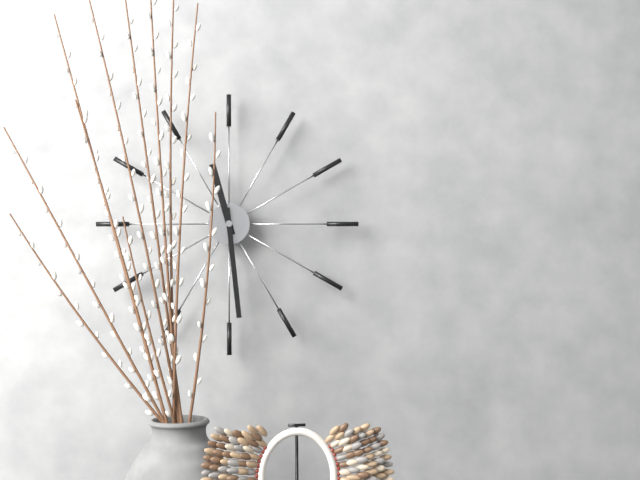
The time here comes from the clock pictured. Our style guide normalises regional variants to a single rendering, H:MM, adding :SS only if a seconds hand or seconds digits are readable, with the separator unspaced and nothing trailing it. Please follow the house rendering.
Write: 11:29
